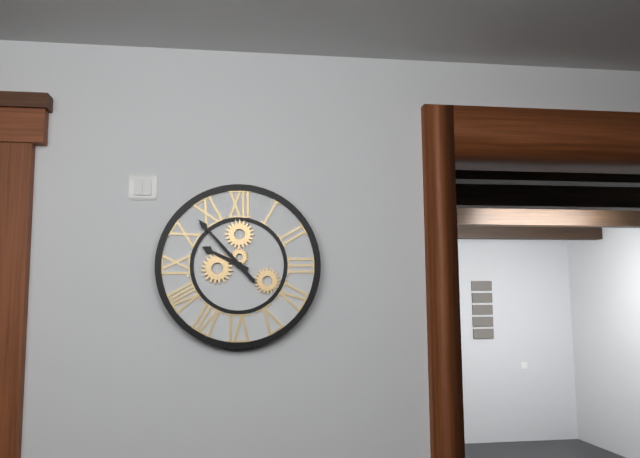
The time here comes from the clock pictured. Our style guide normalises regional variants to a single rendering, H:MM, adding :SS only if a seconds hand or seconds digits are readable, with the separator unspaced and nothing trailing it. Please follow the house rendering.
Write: 9:53
